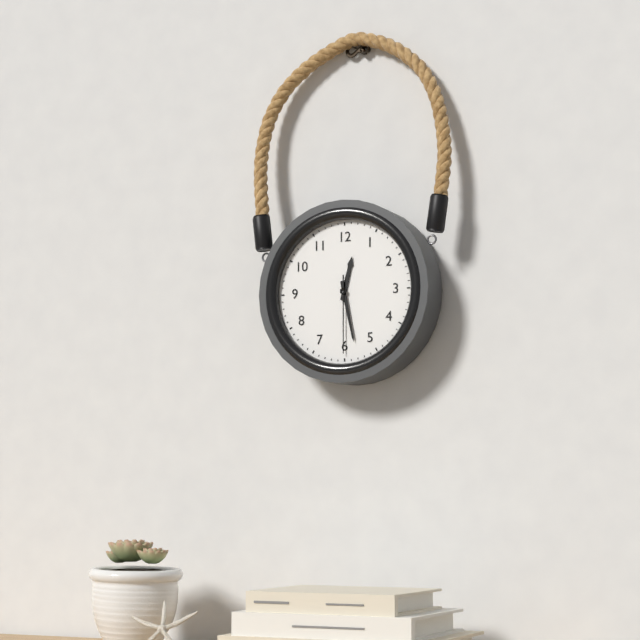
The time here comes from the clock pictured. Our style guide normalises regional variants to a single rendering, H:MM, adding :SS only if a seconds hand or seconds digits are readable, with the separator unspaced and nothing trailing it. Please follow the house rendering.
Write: 12:28:30
